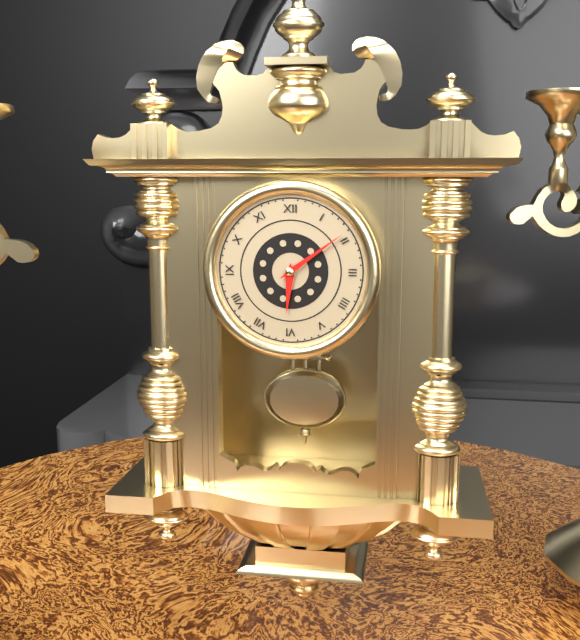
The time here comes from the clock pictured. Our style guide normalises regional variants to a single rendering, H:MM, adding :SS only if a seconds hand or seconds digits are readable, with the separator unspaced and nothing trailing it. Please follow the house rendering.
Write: 6:09
